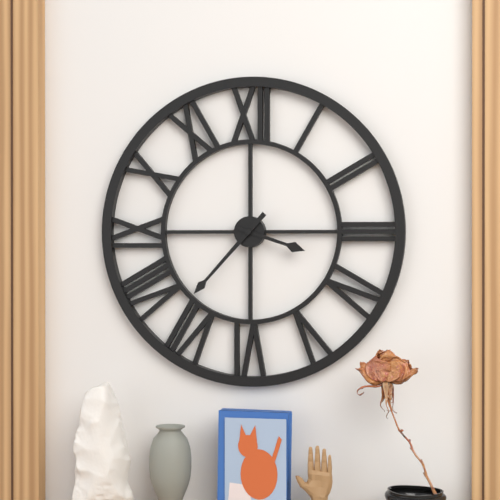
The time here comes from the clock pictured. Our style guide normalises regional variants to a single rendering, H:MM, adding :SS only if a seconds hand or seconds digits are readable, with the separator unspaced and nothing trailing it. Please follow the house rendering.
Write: 3:37
